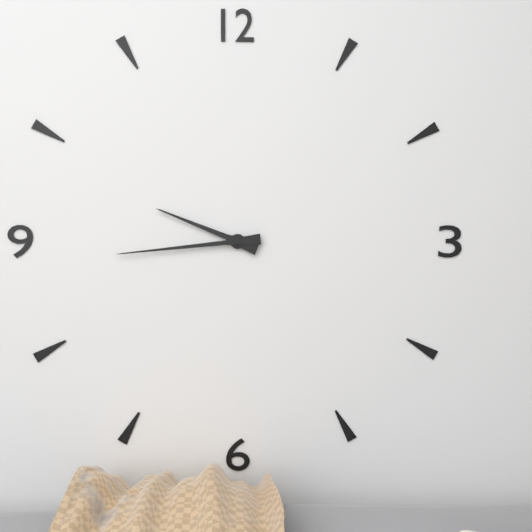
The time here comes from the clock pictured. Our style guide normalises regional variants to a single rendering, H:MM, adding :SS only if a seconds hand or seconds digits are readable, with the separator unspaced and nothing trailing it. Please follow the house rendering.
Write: 9:44
